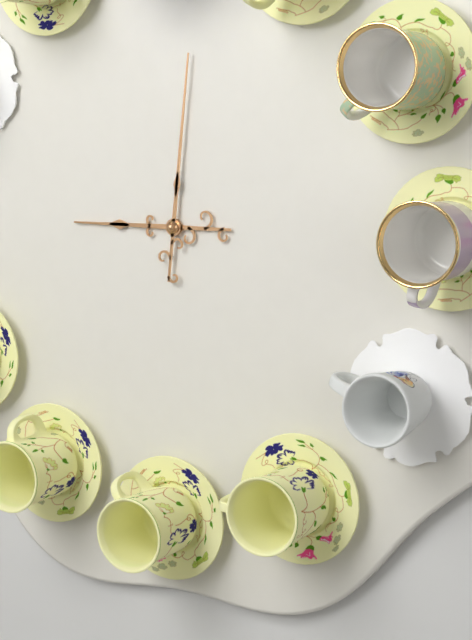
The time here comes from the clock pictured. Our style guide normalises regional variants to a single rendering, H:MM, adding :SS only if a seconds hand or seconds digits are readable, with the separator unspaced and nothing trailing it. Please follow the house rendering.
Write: 9:01
